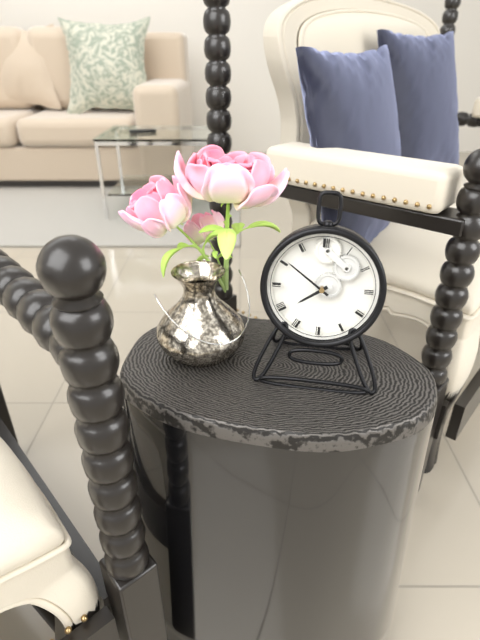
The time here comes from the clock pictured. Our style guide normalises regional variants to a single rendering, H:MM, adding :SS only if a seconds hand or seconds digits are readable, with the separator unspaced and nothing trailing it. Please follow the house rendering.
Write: 7:51
